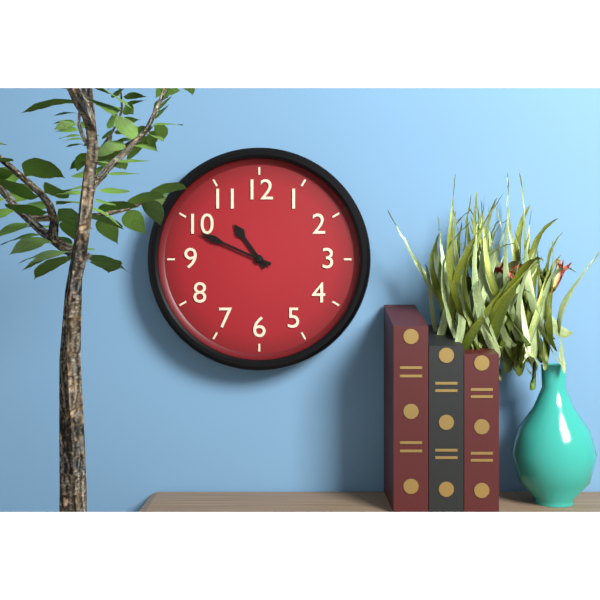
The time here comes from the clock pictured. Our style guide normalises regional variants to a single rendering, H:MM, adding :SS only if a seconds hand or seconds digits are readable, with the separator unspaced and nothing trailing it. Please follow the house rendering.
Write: 10:49
